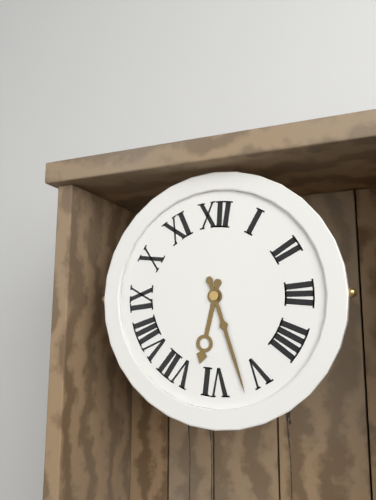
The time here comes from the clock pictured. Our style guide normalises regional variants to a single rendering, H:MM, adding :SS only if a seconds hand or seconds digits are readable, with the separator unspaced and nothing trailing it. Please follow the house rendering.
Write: 6:27
